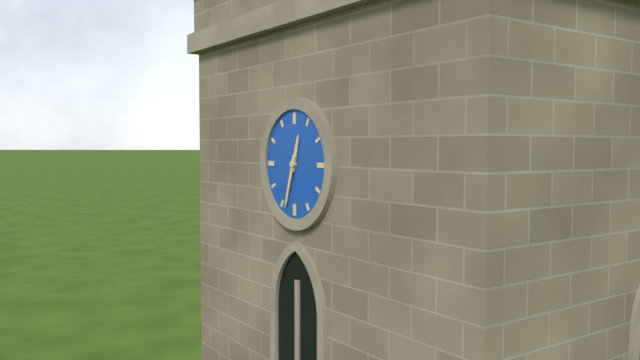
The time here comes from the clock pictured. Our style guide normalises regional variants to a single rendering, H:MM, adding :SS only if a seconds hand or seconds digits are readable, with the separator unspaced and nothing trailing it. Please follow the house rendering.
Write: 12:33
